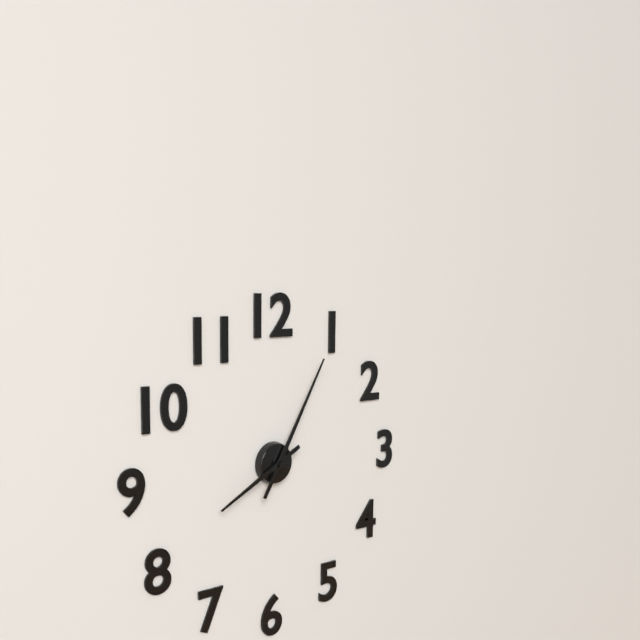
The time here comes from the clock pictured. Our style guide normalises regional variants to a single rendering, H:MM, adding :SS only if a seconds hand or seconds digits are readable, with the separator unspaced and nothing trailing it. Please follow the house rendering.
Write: 8:05
